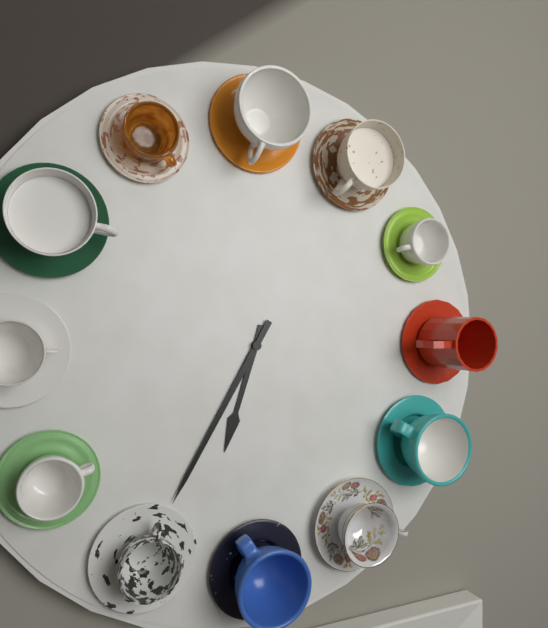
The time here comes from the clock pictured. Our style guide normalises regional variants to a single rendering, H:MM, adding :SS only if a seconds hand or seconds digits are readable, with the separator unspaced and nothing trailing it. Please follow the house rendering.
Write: 6:35
